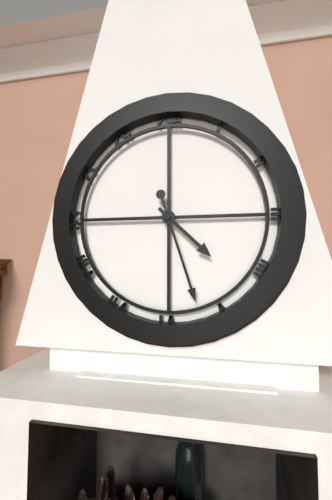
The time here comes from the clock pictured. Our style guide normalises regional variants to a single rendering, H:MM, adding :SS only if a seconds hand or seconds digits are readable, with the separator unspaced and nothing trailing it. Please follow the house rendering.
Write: 4:27
